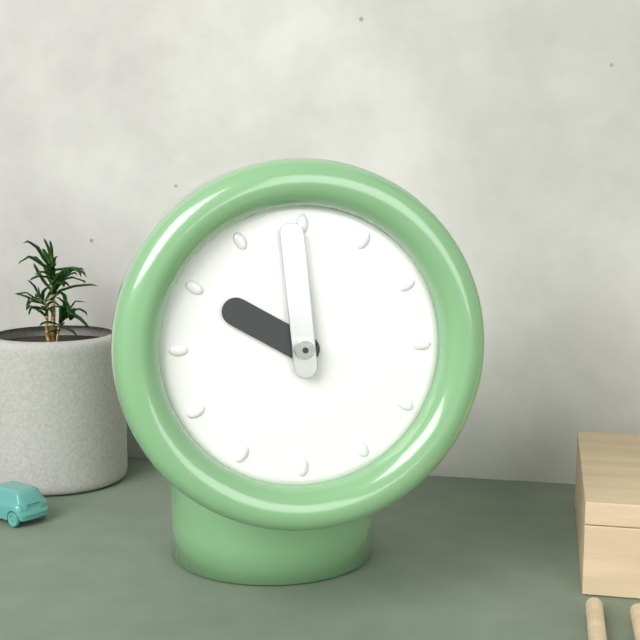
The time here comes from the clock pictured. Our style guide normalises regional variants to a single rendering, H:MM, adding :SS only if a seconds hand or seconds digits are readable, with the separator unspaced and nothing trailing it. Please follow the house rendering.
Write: 9:59
